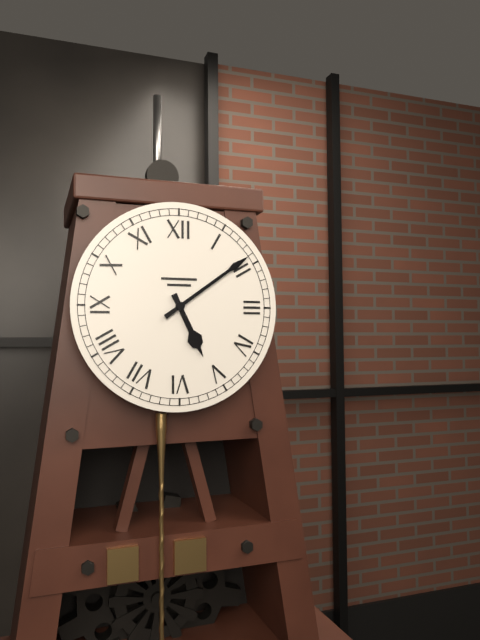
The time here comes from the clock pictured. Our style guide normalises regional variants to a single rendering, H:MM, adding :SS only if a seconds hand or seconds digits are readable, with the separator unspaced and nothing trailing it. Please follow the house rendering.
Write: 5:09
